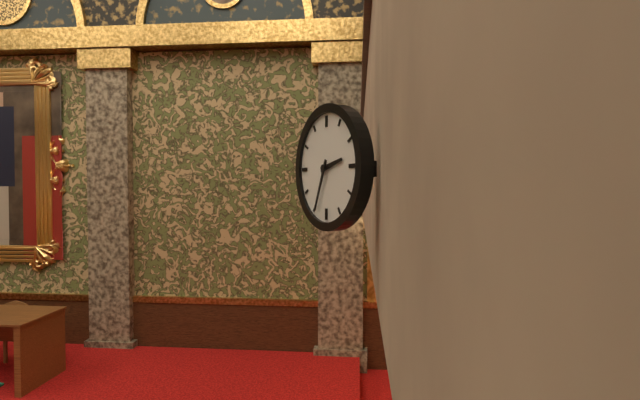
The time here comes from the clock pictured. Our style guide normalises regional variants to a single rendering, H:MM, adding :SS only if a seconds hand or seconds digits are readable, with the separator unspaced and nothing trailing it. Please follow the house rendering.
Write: 2:34
